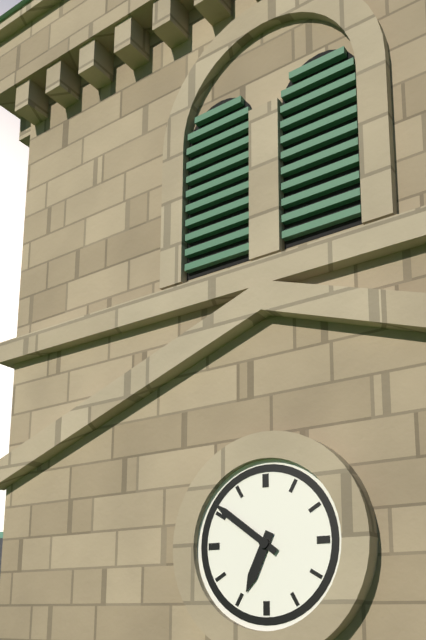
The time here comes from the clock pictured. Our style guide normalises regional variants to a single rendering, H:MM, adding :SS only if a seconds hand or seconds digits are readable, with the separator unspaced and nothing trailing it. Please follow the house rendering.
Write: 6:51
